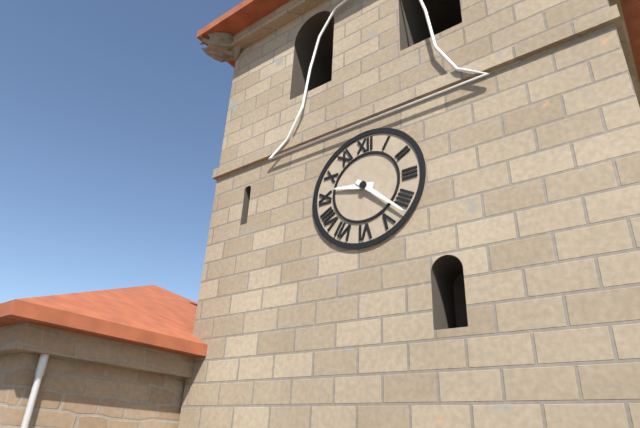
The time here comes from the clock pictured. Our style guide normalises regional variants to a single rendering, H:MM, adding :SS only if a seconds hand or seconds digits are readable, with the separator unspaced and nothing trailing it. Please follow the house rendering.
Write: 9:22
